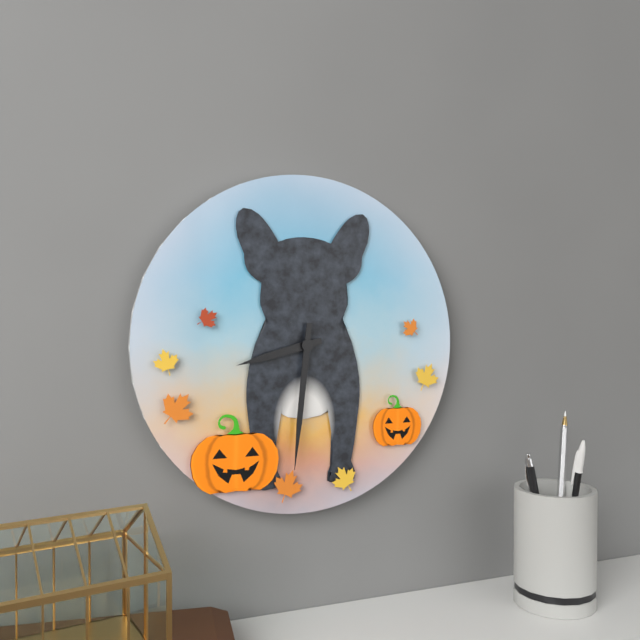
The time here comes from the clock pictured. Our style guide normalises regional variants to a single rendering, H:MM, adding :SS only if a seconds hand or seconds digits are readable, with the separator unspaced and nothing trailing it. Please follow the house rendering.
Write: 8:31
